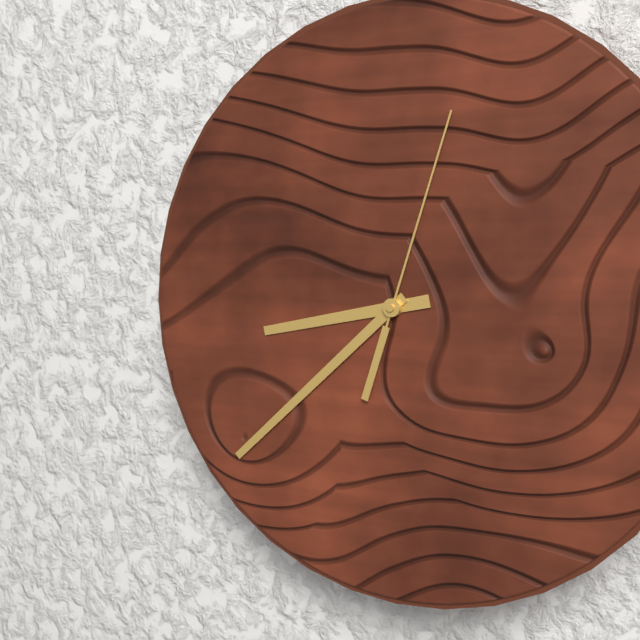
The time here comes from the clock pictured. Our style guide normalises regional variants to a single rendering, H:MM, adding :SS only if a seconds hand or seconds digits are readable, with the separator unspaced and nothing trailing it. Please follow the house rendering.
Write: 8:38:03
